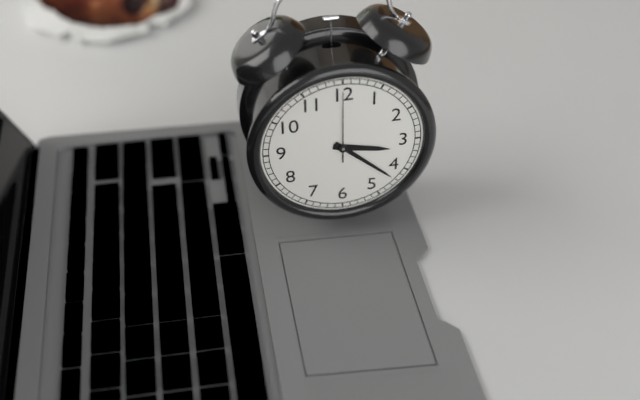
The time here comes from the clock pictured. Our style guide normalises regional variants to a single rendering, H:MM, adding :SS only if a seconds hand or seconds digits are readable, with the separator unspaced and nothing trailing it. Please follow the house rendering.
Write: 3:22:00
